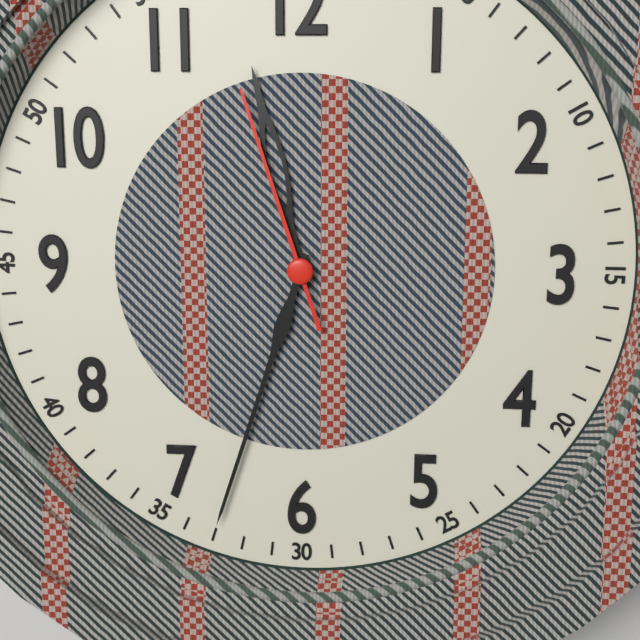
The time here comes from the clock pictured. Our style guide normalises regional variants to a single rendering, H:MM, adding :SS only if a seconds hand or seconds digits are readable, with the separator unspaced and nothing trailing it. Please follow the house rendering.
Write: 11:33:57
